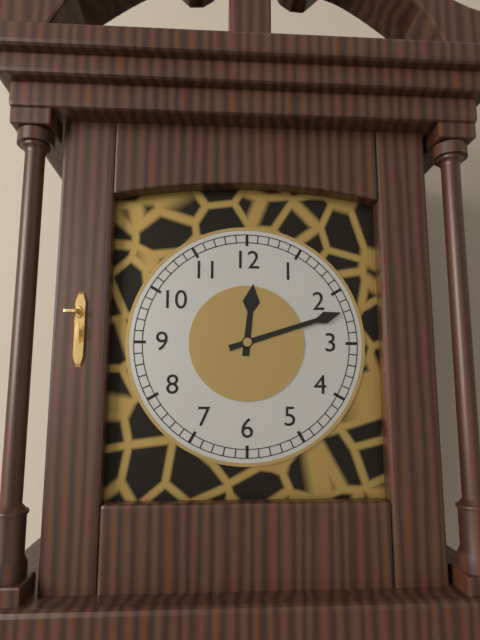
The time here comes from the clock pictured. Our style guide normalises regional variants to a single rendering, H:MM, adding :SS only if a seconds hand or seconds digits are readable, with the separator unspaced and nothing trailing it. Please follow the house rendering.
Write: 12:12
